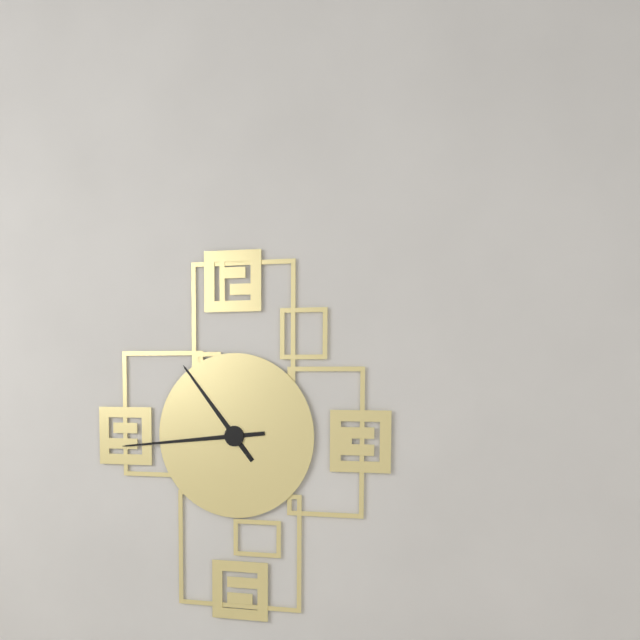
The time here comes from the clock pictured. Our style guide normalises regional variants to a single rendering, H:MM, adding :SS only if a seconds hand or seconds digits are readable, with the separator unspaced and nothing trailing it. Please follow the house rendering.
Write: 10:44
